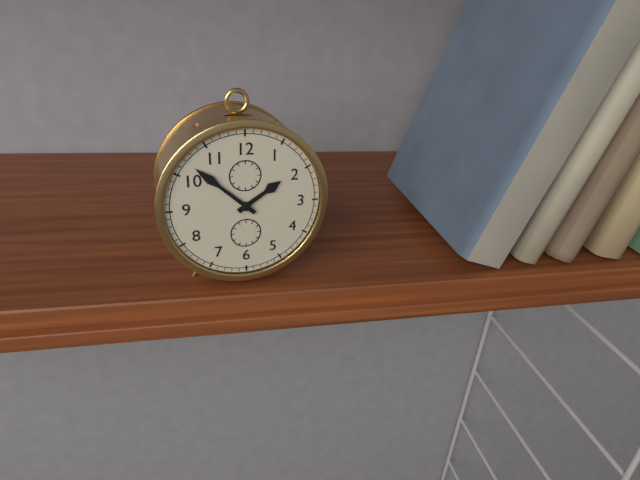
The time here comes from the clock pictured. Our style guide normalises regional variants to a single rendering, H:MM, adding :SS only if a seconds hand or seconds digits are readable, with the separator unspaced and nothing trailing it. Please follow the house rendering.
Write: 1:52
